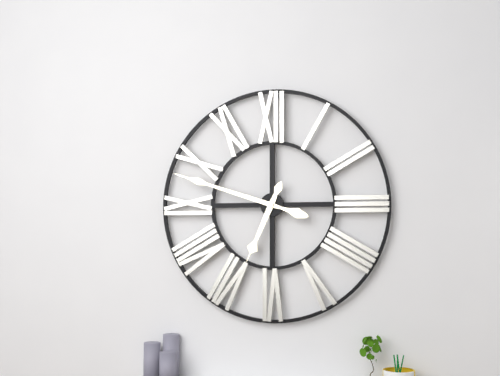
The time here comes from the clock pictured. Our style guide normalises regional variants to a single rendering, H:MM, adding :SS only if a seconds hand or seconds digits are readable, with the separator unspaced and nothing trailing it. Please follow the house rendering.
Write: 6:48
